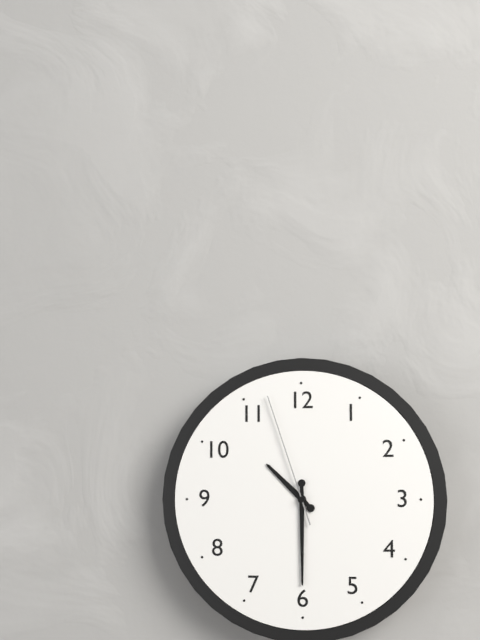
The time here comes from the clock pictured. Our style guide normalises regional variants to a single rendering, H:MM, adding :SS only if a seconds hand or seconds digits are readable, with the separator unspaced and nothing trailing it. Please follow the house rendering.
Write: 10:30:57
